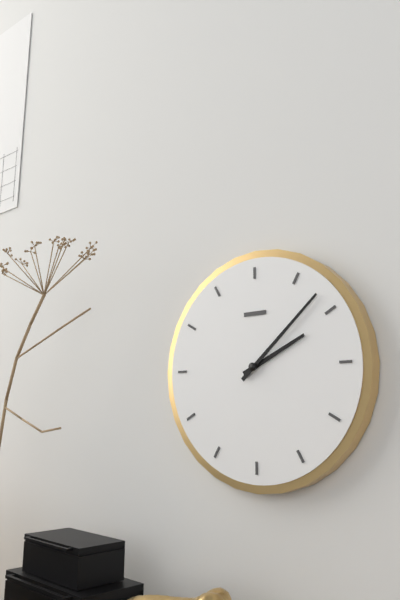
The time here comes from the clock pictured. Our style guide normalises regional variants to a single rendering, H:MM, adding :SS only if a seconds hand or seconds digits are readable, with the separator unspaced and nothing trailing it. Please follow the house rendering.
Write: 2:08
